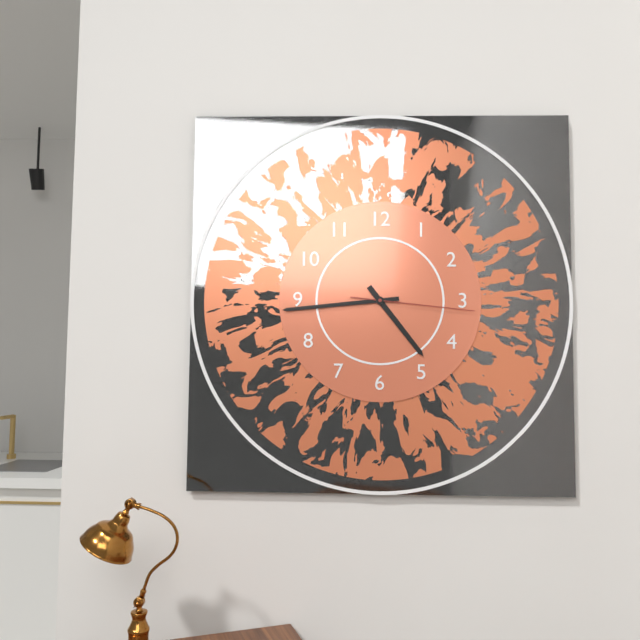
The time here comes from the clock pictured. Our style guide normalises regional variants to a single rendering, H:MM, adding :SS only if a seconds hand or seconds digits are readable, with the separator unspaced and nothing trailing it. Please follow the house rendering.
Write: 4:44:16
